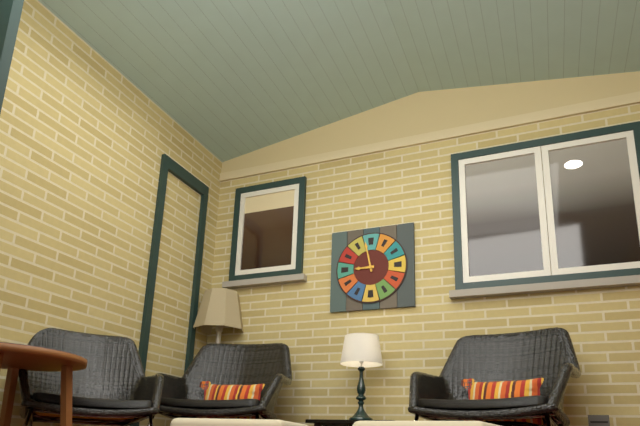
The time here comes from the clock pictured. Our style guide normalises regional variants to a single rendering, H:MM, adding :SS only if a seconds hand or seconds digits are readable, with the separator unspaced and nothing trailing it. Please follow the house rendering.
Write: 8:58
